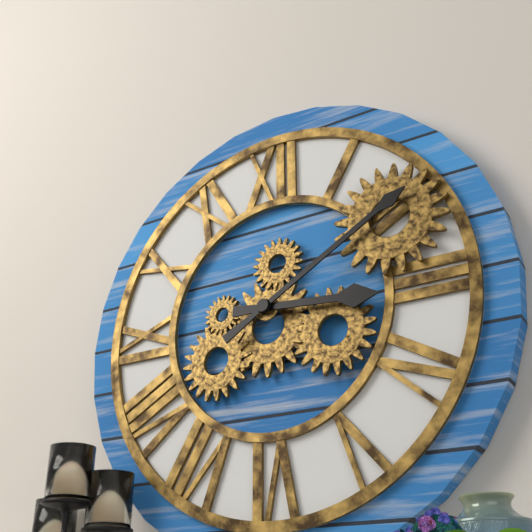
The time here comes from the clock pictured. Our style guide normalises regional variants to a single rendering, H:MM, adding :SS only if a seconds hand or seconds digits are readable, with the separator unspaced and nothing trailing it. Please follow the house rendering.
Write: 3:10
